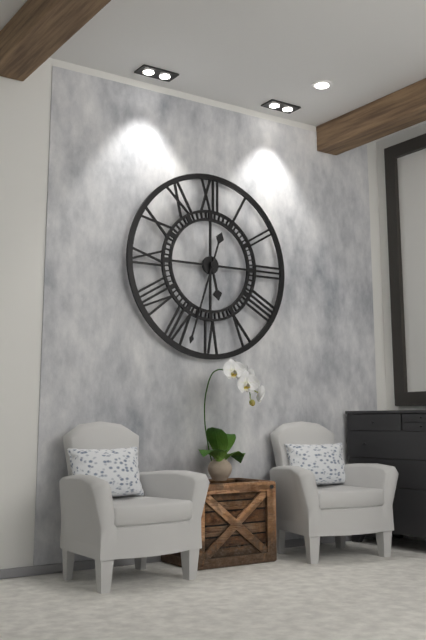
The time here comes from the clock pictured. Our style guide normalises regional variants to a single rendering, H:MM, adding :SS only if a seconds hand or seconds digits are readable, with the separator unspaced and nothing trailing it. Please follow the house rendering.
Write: 5:33
